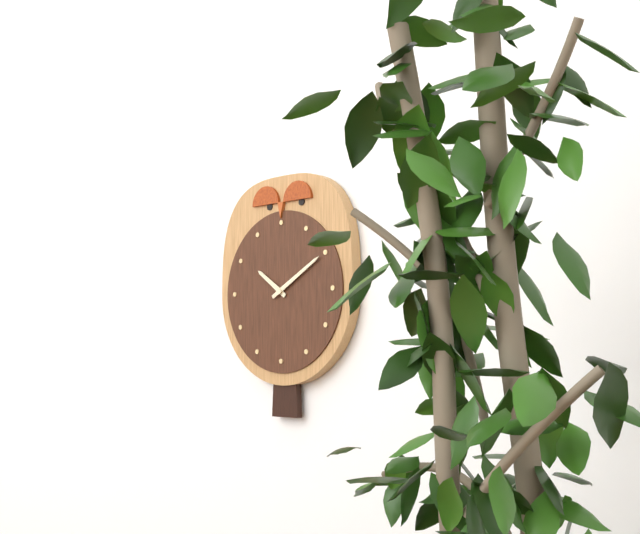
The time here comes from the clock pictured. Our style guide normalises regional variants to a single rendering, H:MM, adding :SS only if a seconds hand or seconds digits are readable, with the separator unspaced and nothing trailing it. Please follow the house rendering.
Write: 10:10
